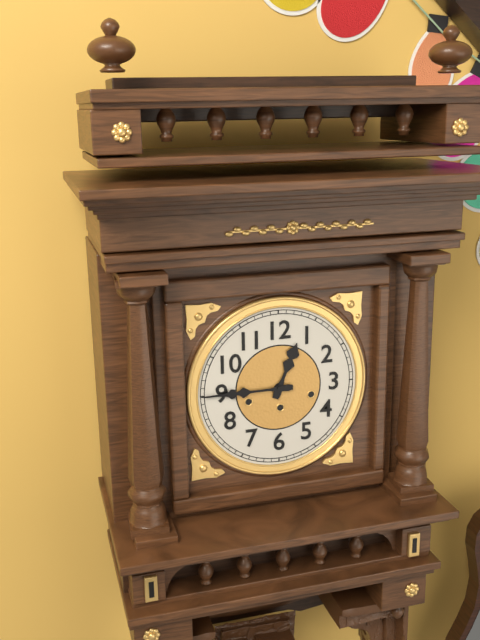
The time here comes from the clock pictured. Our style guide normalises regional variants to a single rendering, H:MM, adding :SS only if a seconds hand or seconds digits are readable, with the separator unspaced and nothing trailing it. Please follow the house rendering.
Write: 12:45
